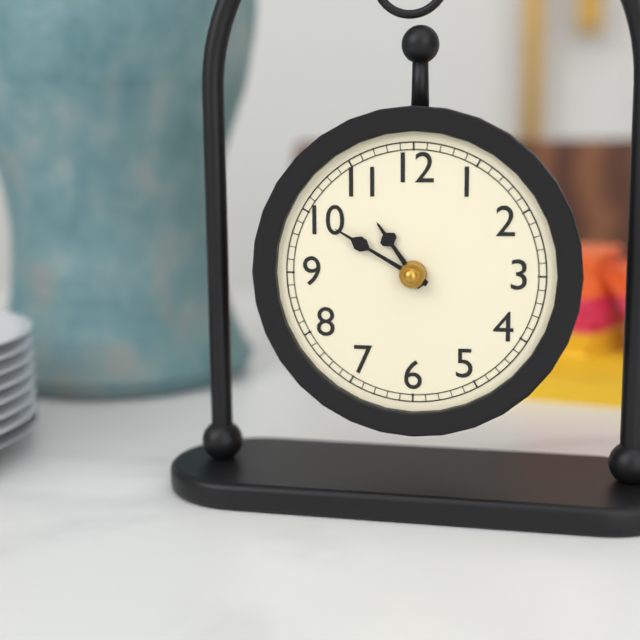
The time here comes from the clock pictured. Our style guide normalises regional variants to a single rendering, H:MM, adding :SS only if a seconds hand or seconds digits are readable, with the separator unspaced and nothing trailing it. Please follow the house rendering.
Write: 10:50
